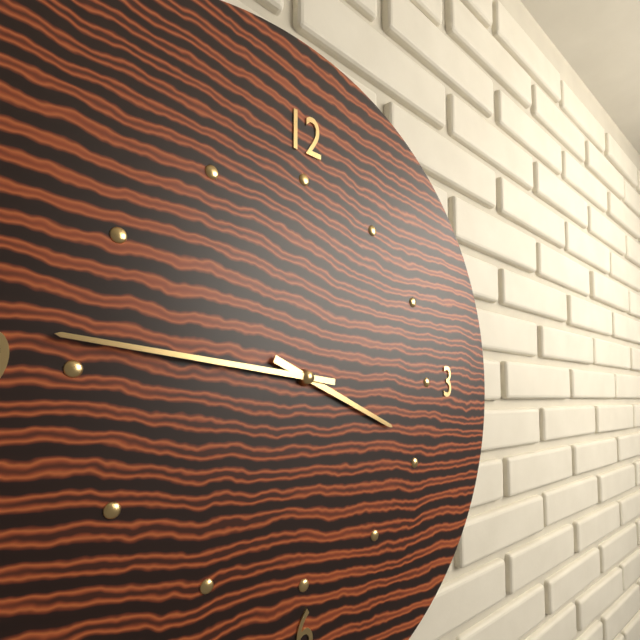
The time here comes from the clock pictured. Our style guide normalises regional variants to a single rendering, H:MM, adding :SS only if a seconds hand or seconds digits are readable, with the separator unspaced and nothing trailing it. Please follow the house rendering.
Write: 3:46
